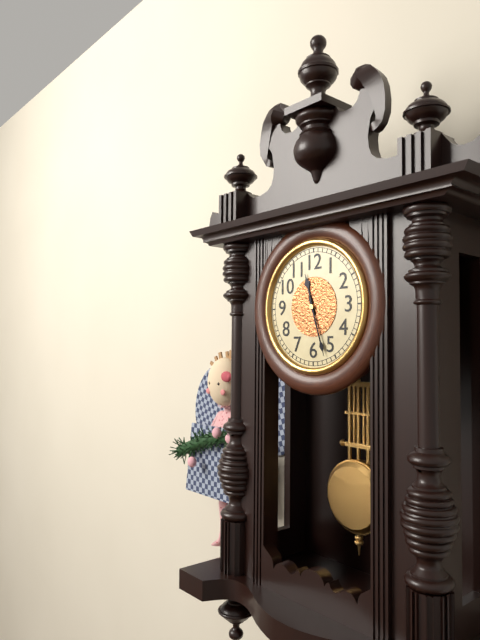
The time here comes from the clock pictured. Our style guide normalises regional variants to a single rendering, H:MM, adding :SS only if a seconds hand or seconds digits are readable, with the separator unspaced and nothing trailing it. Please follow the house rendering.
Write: 11:27
